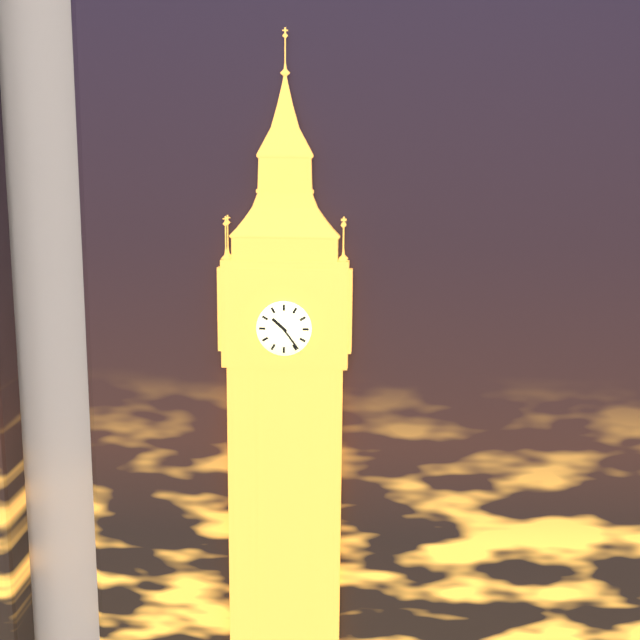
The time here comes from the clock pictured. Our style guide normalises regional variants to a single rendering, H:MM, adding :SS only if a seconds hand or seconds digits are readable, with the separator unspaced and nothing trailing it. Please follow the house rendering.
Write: 10:24
